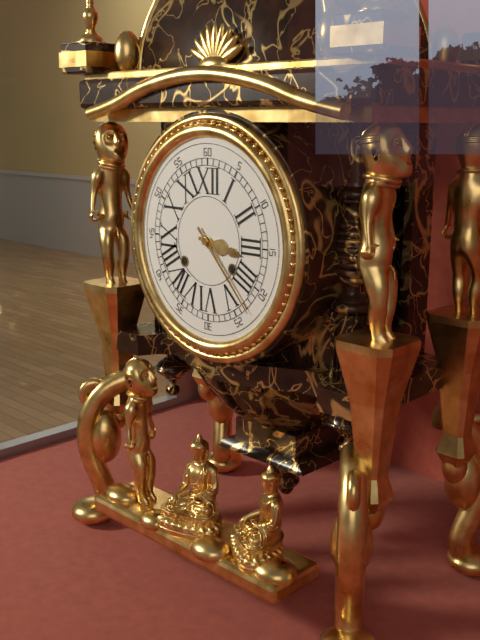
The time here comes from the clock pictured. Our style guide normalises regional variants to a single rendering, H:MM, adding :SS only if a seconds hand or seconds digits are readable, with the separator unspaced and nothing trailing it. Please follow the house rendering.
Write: 3:23
